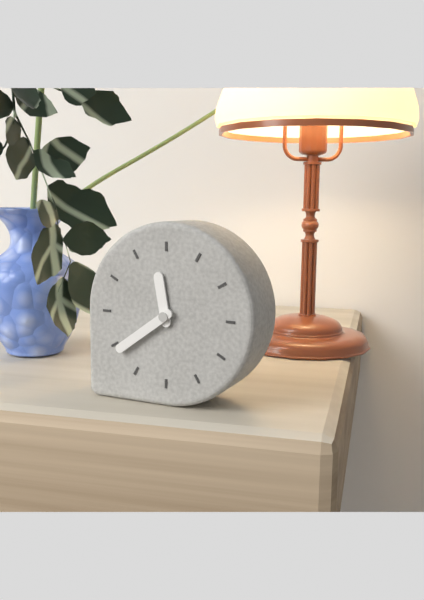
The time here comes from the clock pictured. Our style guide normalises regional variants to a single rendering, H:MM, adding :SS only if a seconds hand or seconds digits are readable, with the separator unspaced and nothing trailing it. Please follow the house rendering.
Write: 11:39
